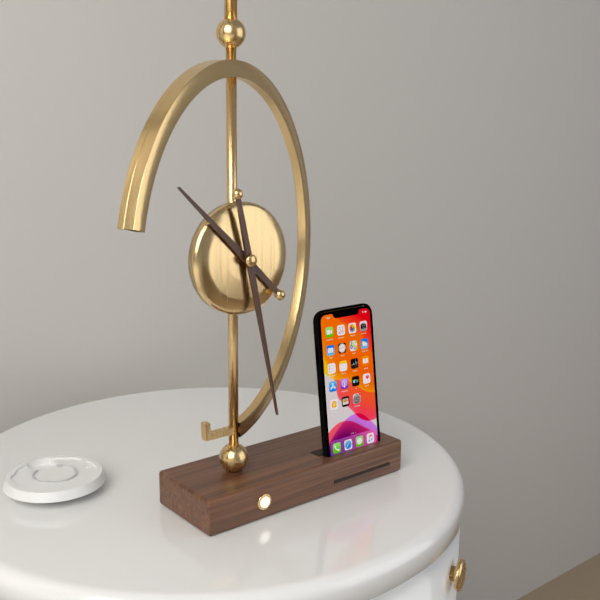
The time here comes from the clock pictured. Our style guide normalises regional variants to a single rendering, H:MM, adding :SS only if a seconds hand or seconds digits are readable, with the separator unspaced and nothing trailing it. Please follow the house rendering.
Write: 10:28
